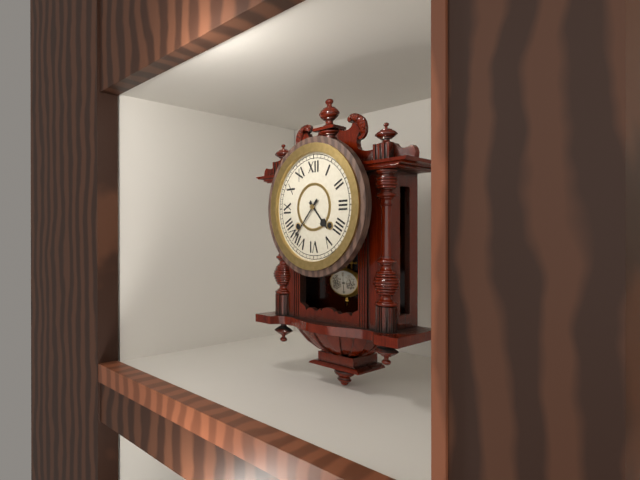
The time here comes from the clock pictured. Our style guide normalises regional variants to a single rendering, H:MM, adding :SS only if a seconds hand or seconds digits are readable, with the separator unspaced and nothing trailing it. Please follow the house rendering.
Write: 4:37
